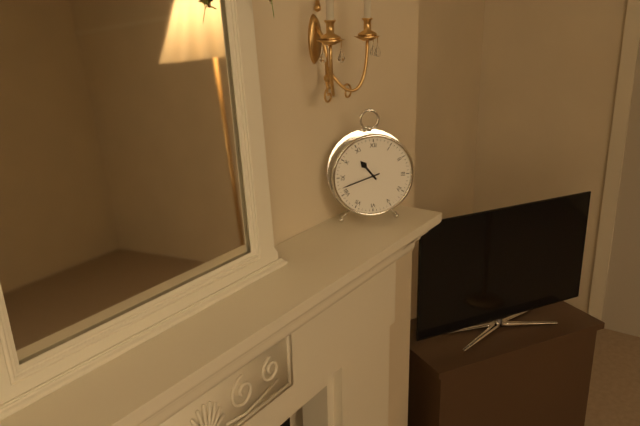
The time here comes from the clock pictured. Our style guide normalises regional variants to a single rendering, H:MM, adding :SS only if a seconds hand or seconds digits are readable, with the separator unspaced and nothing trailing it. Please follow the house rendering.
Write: 10:42
